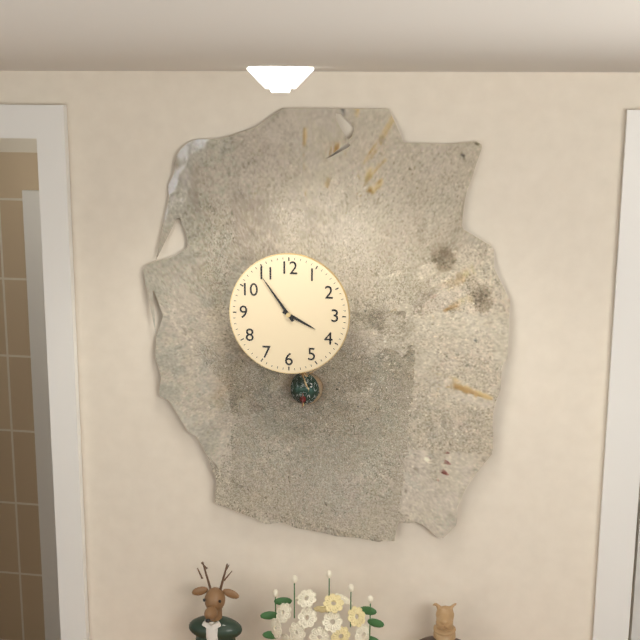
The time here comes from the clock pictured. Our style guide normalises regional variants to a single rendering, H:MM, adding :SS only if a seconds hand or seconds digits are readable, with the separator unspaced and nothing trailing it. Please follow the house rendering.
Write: 3:54
